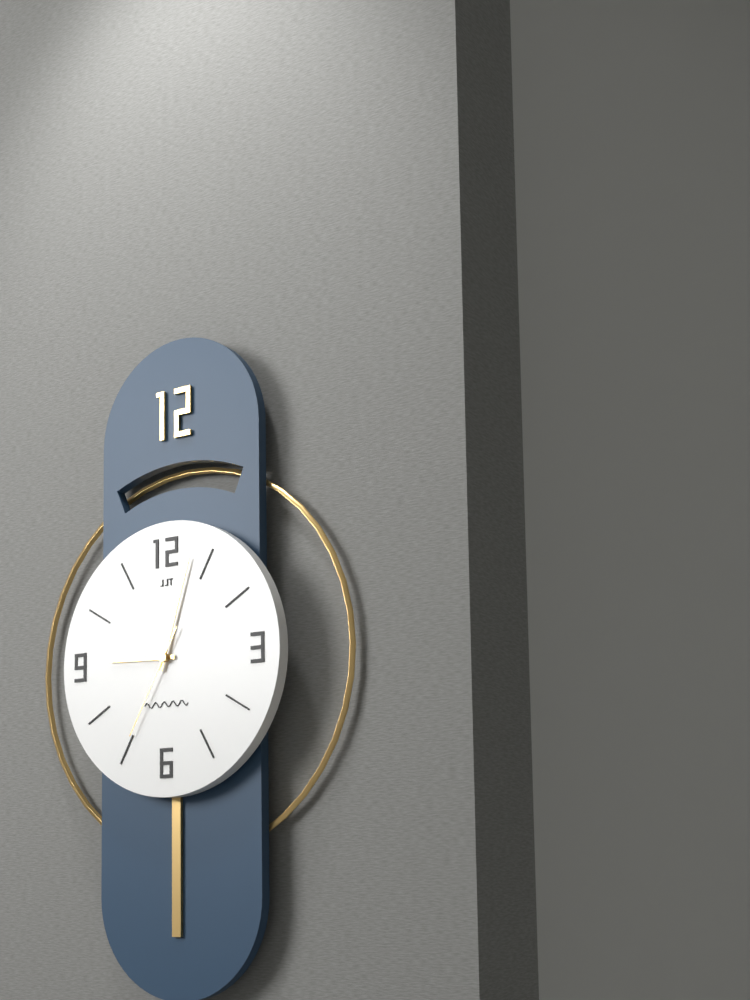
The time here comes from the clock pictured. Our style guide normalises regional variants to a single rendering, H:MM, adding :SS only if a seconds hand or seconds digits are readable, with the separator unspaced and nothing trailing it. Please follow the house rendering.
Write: 9:03:35
